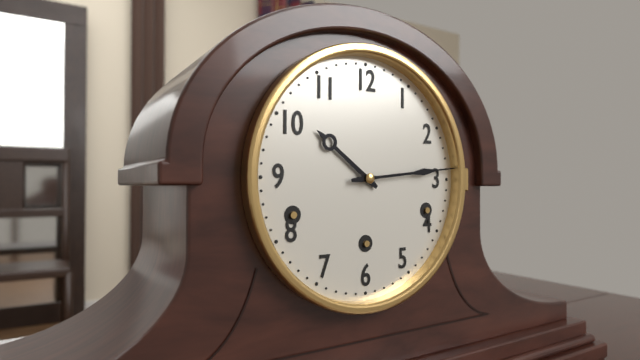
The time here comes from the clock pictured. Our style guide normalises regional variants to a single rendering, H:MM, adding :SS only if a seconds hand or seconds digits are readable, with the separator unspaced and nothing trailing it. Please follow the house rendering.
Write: 10:14
